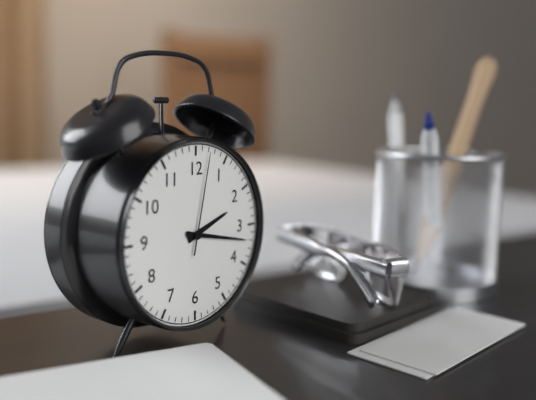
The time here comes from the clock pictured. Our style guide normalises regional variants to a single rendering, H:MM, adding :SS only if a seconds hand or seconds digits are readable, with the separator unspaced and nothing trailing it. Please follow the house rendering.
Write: 2:17:02
